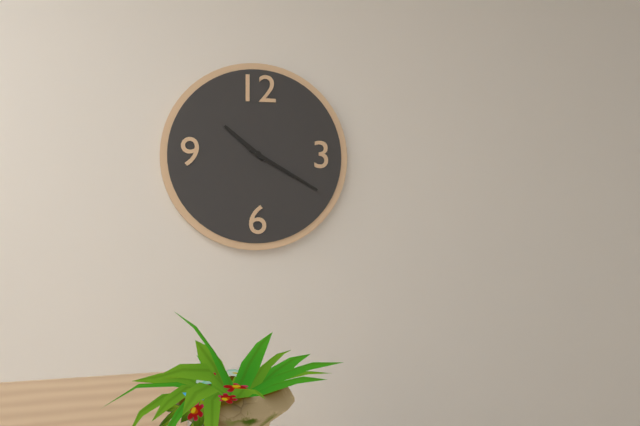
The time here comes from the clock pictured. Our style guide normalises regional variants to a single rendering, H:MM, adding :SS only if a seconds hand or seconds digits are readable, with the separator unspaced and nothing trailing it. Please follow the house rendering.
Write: 10:20
